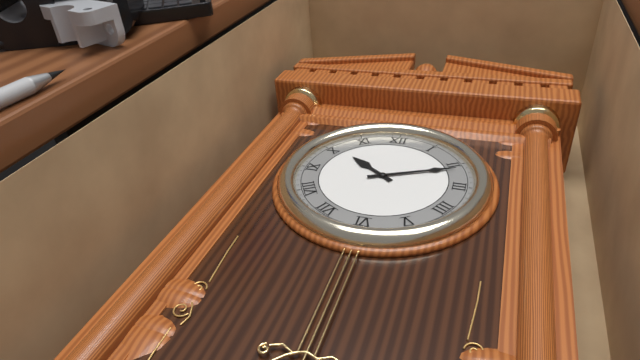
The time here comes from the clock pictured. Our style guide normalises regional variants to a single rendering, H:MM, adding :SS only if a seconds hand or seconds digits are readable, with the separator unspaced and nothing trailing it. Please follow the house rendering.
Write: 10:11
